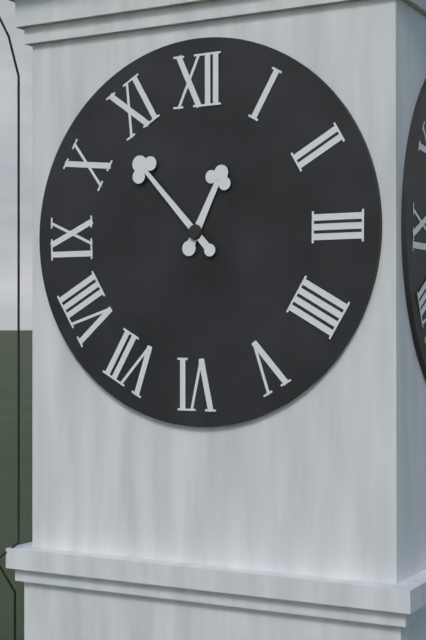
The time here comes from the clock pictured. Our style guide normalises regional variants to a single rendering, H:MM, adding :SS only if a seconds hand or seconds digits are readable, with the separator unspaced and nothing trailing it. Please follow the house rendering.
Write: 12:53
